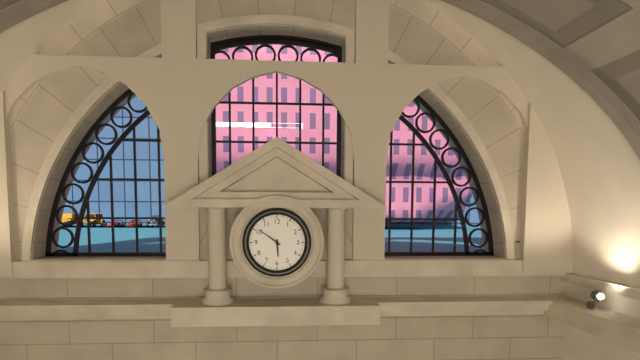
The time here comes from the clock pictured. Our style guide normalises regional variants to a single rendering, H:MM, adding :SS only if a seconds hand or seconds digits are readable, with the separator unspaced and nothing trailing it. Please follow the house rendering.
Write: 5:51
